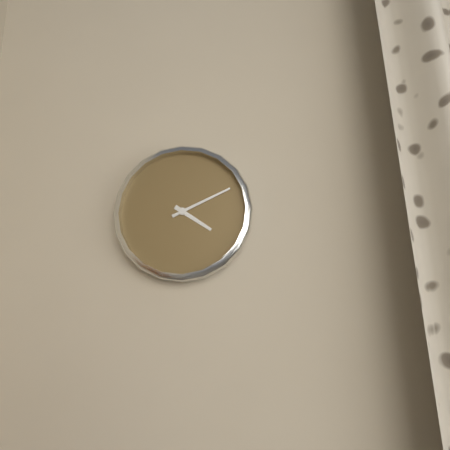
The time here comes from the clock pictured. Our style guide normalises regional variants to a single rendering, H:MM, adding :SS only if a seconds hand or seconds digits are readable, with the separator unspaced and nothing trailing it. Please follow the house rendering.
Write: 4:11
